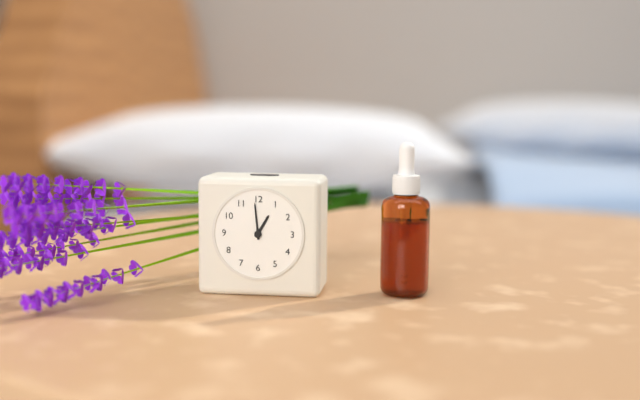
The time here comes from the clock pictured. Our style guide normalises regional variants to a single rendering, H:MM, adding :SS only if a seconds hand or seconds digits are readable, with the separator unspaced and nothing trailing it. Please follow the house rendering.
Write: 12:59
